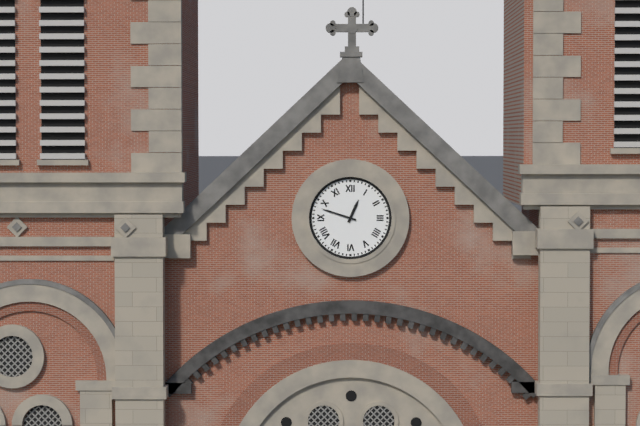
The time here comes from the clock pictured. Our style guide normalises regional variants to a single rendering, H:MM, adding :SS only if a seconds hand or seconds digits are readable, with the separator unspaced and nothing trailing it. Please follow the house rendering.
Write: 12:48
